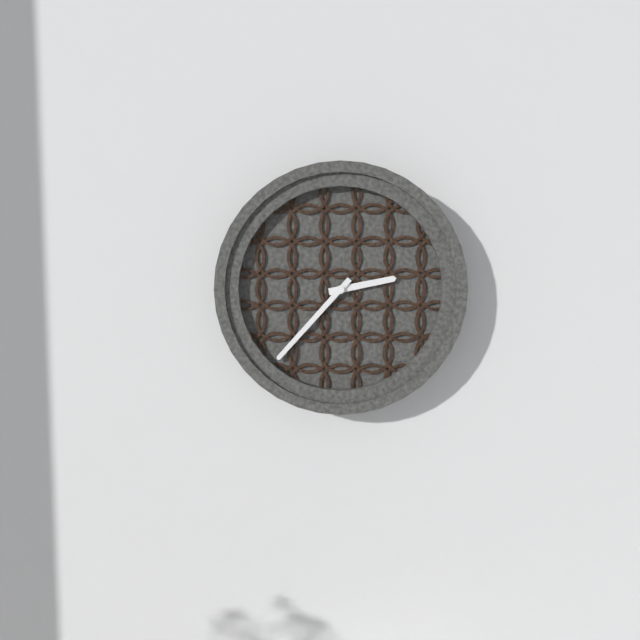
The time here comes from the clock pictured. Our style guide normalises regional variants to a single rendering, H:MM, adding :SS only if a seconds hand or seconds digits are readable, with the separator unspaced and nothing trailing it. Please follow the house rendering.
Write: 2:37
